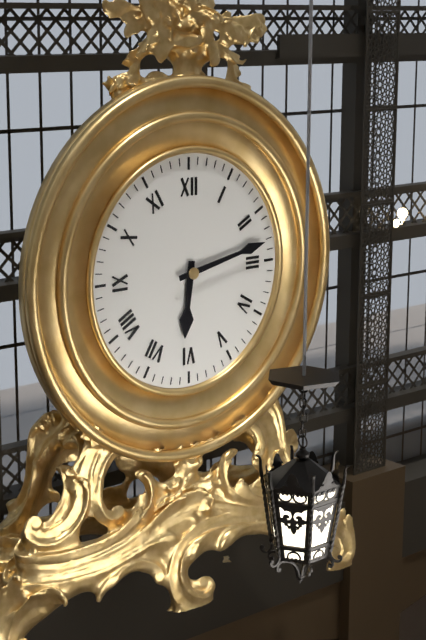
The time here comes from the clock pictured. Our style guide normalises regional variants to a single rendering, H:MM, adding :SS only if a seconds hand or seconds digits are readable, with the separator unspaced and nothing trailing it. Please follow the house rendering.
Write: 6:13
